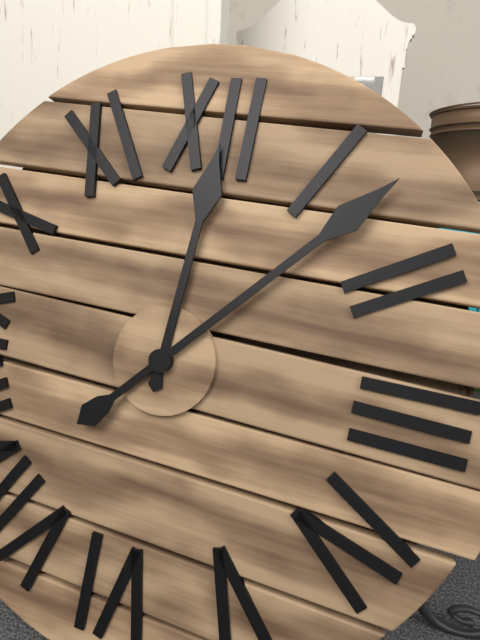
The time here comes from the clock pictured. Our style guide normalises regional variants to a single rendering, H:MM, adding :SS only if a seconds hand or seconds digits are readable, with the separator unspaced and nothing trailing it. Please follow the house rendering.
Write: 12:07
